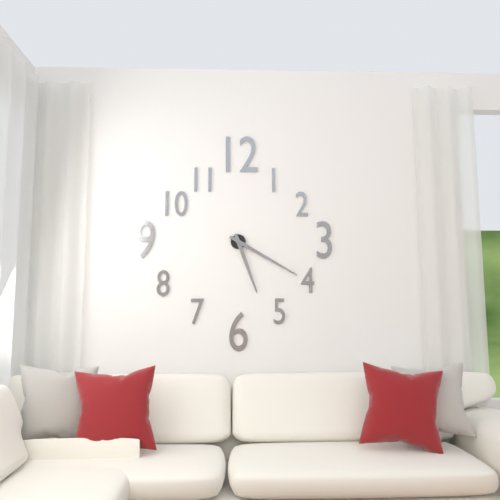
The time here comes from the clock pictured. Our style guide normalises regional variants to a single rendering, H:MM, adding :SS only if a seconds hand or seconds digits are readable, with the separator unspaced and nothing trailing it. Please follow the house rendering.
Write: 5:20
